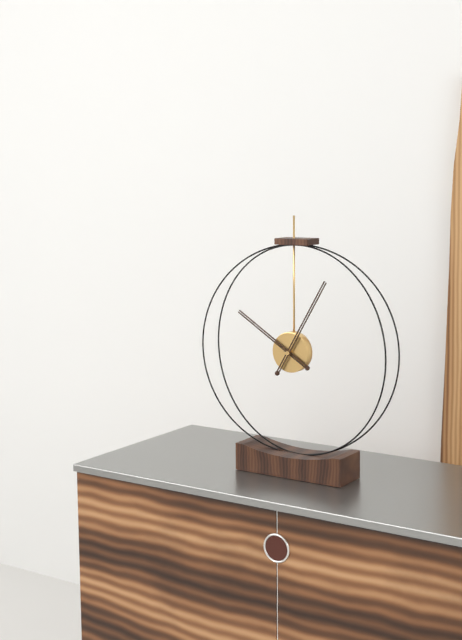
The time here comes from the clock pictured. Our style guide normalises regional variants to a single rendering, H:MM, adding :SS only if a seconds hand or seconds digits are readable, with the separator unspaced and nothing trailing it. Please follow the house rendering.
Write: 10:05
